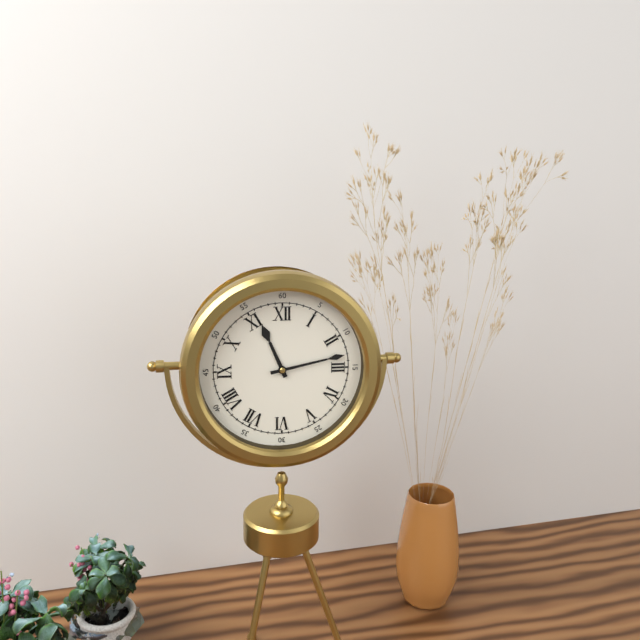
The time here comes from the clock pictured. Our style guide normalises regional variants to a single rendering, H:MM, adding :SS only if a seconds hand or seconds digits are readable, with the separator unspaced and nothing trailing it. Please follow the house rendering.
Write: 11:13
